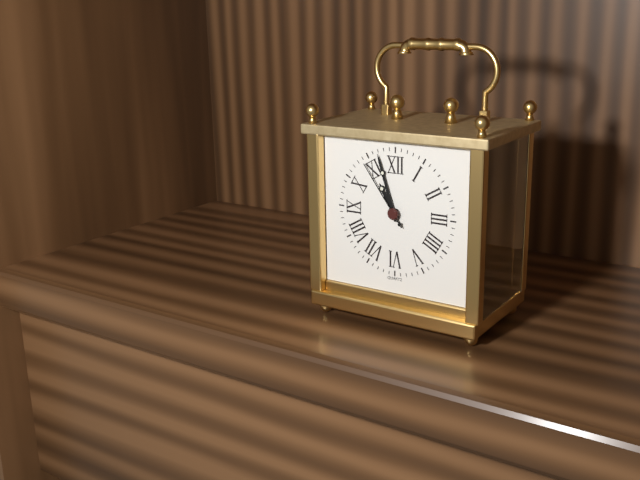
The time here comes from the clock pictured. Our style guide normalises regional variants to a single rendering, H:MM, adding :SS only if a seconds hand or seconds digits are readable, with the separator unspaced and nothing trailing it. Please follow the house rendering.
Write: 10:57:54
